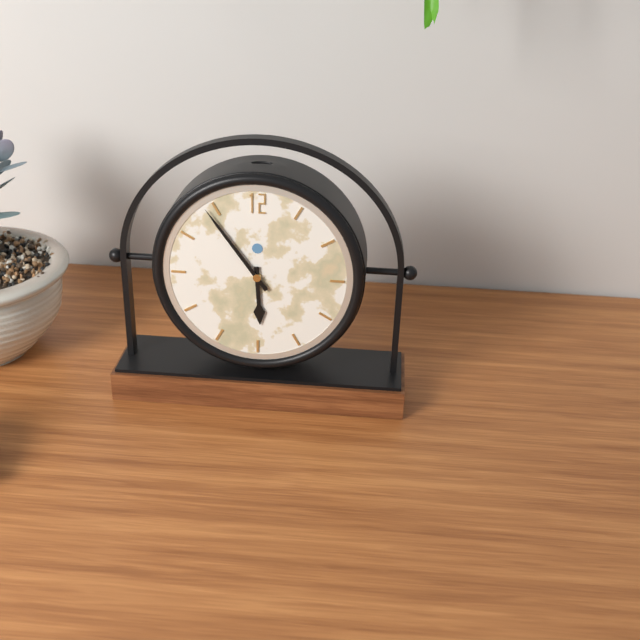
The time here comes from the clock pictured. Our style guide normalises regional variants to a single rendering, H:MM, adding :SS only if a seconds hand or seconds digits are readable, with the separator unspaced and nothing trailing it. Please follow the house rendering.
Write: 5:54
